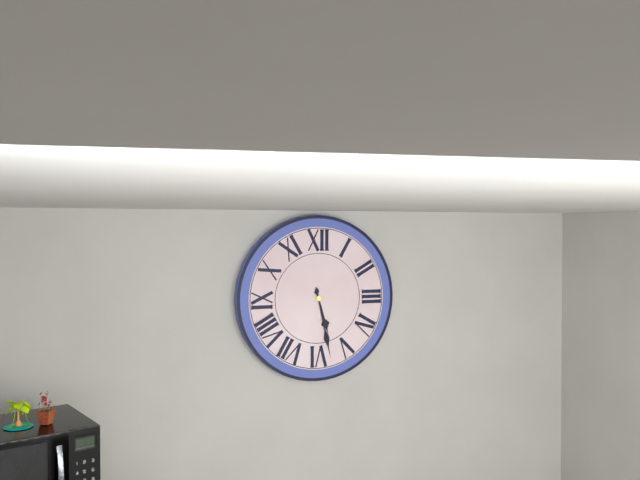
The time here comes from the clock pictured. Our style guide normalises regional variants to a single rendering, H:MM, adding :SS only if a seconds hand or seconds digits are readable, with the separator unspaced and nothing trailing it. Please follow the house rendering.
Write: 5:28
